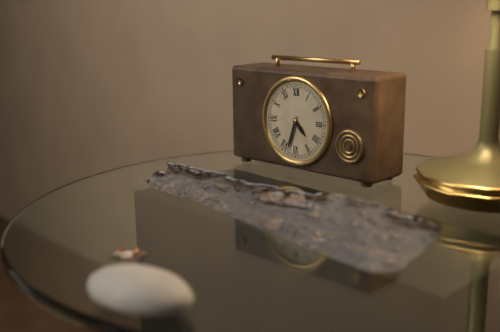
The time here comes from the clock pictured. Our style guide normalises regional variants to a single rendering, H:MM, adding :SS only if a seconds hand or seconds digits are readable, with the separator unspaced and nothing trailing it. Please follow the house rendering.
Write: 4:33
